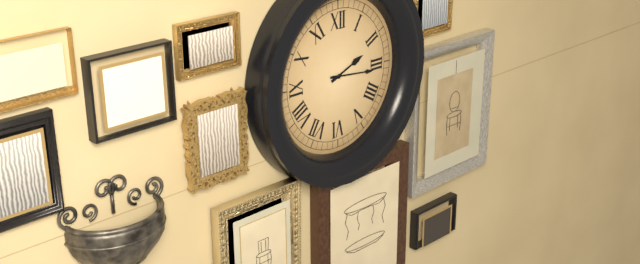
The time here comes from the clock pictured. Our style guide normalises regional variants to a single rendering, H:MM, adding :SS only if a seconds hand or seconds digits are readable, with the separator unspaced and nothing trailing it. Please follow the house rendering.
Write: 2:16
